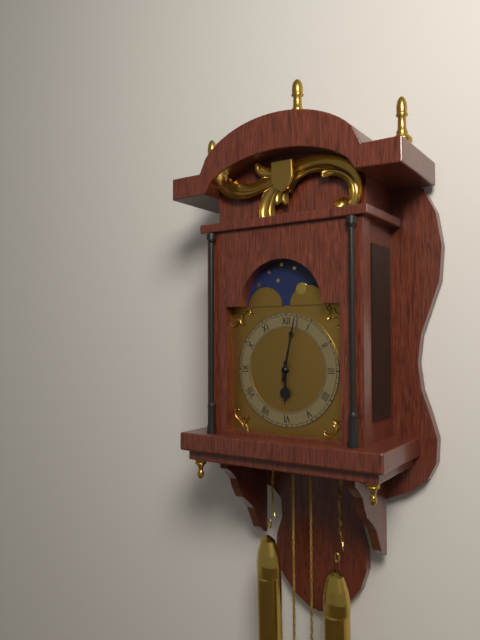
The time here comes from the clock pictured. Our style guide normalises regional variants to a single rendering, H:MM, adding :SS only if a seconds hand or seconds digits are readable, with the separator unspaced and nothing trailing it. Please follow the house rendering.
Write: 6:02
